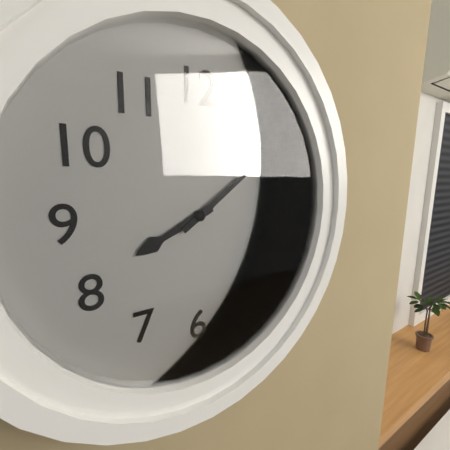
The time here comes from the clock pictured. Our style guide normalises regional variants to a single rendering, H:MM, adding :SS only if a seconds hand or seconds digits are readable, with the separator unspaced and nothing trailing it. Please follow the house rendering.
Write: 8:09
